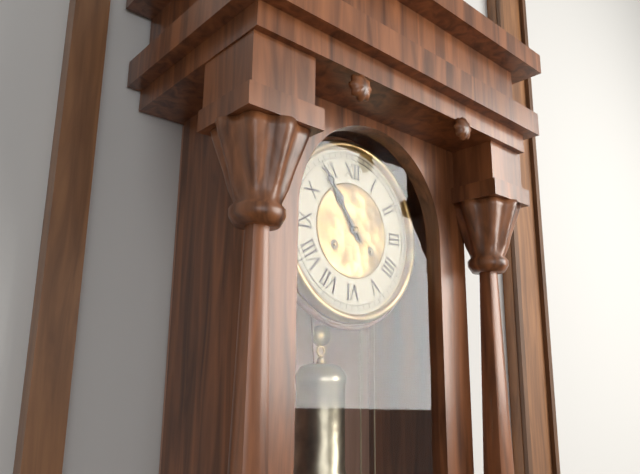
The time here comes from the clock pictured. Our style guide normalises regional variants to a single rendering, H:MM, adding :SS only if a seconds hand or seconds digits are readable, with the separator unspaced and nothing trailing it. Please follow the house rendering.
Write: 10:54
